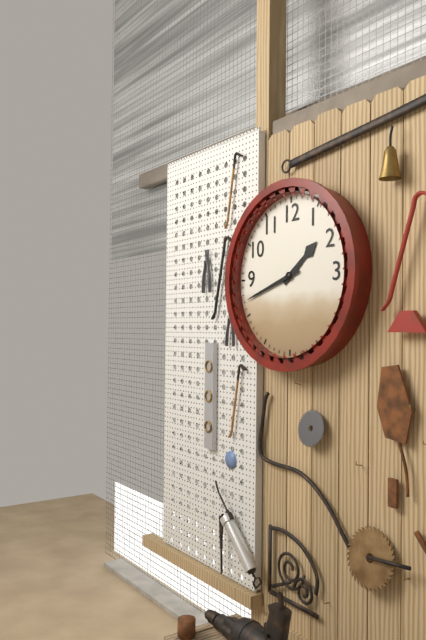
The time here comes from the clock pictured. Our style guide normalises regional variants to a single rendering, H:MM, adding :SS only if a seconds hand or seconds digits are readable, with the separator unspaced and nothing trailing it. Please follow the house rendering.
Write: 1:42
